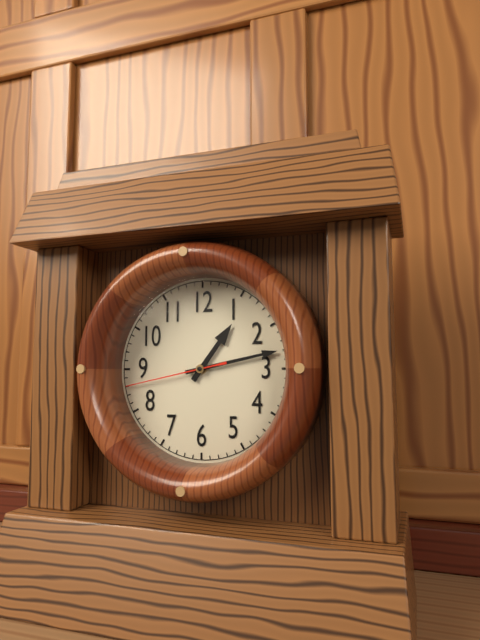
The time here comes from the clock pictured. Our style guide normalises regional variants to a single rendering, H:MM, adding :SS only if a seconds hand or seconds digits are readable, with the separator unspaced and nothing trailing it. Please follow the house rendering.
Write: 1:13:43
